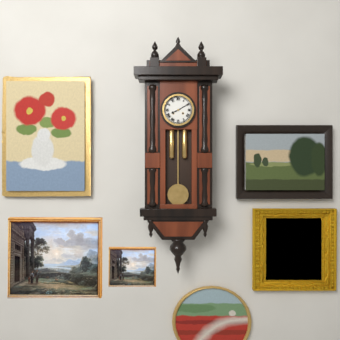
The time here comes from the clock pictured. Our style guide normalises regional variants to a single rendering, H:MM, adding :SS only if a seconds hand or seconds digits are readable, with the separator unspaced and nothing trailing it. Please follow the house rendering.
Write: 8:10
